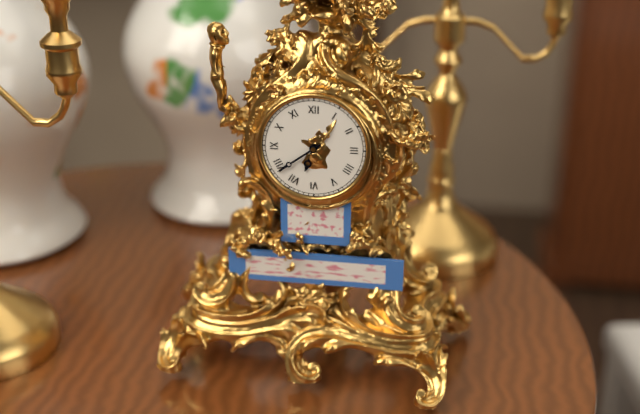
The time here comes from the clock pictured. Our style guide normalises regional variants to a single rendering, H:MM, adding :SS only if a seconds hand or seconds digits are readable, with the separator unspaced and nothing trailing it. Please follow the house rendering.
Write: 6:39
